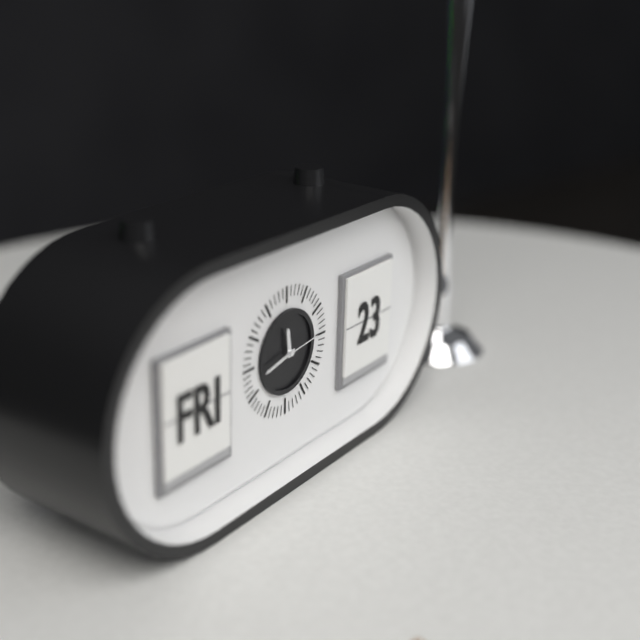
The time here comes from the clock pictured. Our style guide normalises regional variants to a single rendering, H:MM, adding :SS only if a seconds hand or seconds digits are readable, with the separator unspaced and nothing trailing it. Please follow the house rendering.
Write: 11:43:14
